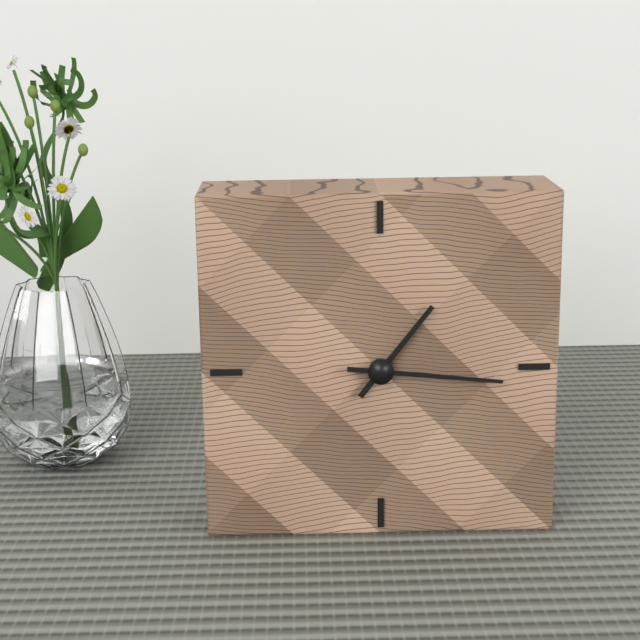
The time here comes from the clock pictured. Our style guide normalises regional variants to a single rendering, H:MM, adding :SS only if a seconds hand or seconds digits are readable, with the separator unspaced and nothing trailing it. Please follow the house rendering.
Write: 1:16
